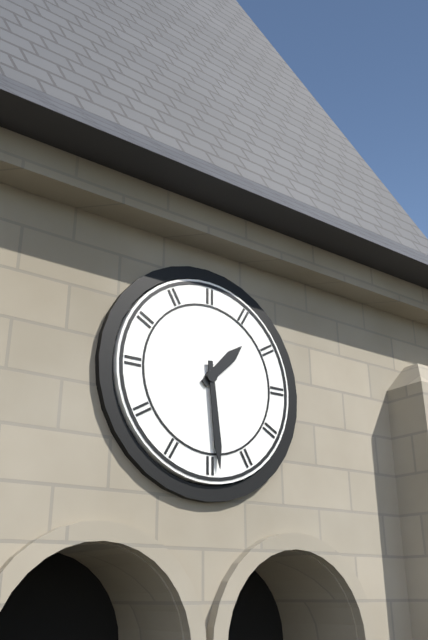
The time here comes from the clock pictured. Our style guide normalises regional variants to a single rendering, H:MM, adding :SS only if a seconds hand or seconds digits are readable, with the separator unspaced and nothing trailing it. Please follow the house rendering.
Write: 1:29
